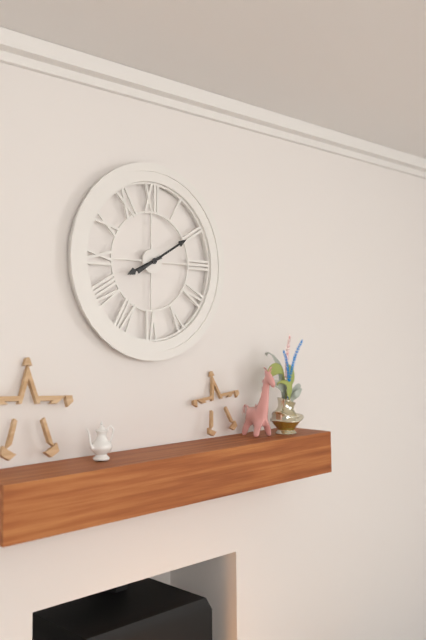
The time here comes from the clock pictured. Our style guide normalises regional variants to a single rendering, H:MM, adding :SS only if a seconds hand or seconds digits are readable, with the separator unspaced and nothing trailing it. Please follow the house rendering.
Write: 8:10
